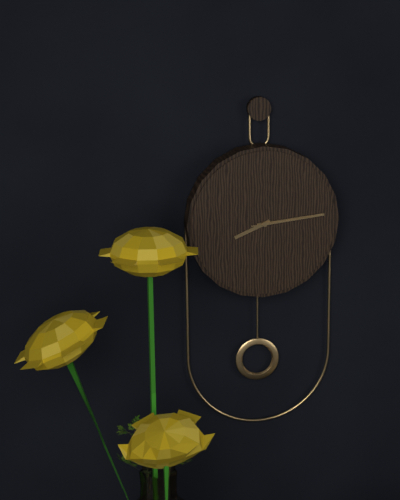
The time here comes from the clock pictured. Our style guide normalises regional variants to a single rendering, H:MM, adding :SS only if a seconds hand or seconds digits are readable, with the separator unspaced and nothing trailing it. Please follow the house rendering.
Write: 8:14:14
